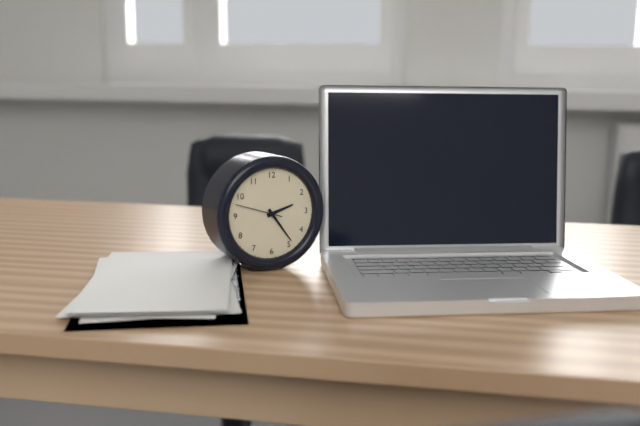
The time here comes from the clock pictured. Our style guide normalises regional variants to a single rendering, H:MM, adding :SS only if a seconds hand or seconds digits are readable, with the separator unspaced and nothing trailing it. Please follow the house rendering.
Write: 2:24
